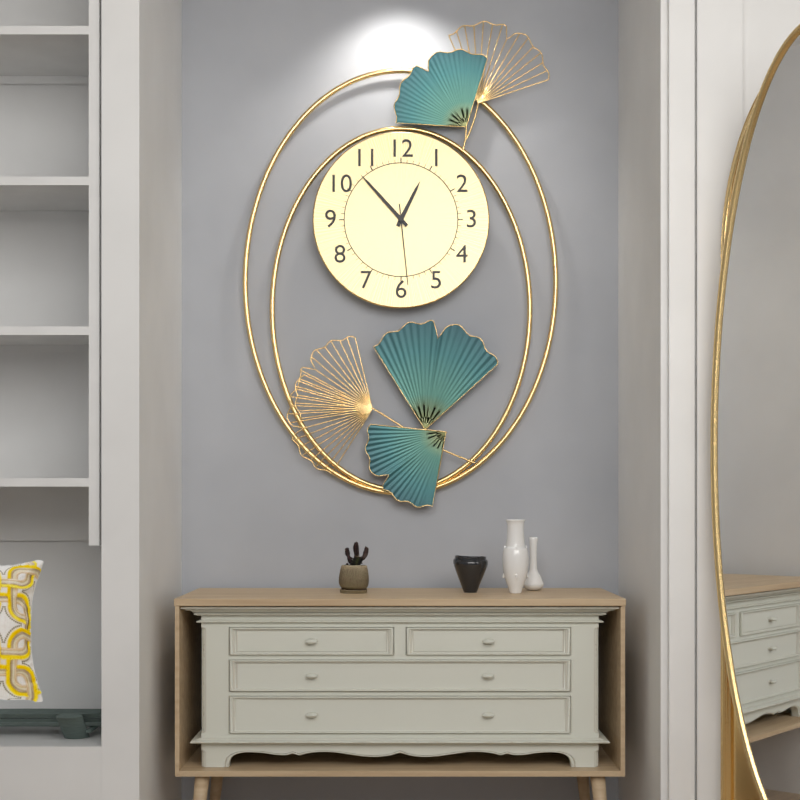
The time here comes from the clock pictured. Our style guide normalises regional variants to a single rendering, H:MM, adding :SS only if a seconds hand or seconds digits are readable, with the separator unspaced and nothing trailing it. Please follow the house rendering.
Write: 12:53:29
